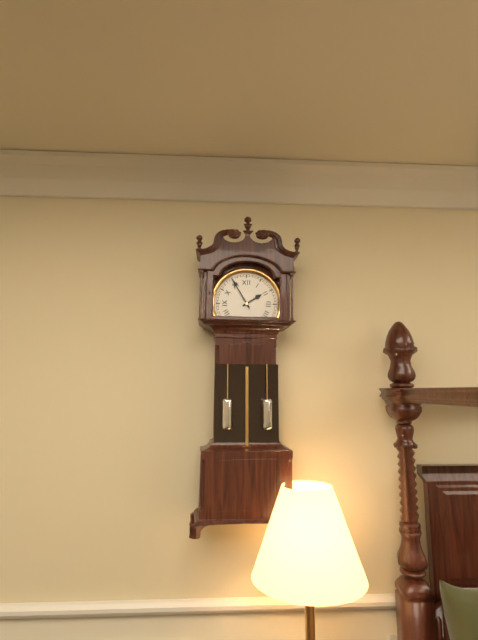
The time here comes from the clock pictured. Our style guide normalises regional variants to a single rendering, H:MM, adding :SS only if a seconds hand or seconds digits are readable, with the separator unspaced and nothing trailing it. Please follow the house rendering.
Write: 1:55
